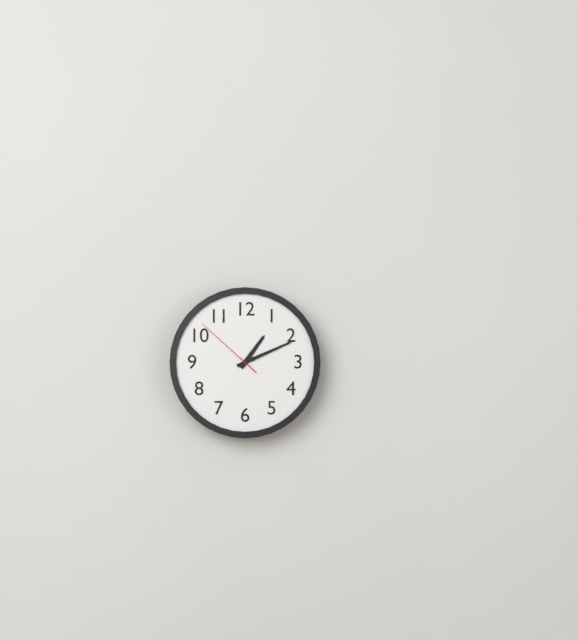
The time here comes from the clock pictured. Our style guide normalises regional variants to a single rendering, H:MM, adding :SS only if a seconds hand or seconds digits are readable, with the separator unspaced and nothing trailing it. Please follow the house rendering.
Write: 1:11:52
